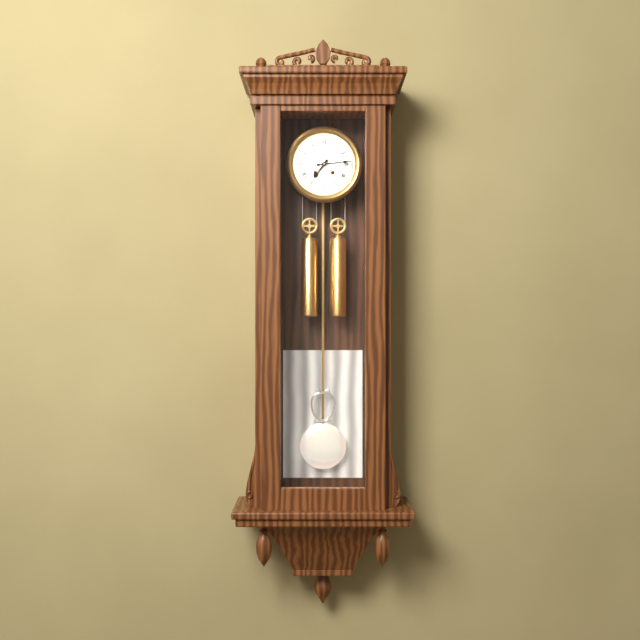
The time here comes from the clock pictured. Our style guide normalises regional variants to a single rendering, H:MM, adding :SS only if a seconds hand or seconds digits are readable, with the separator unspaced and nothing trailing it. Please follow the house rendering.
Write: 7:14
